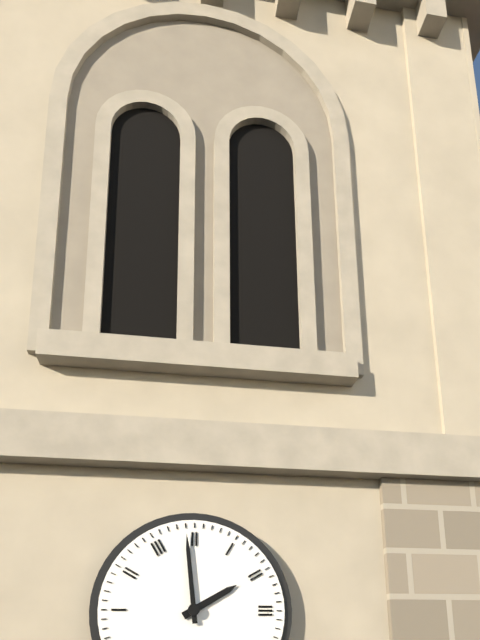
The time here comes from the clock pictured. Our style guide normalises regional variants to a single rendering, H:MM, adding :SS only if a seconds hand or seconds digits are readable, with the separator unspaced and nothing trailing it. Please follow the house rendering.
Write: 1:59
